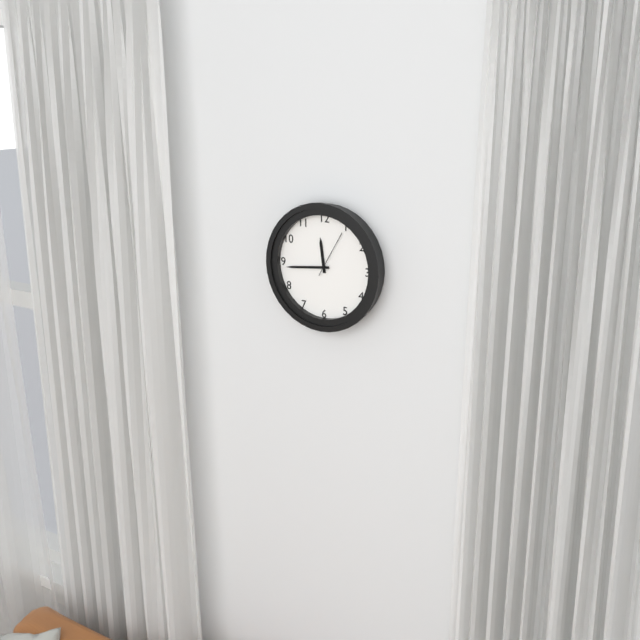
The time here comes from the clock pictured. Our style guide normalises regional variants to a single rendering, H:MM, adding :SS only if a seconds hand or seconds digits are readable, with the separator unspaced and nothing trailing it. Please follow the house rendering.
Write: 11:44
